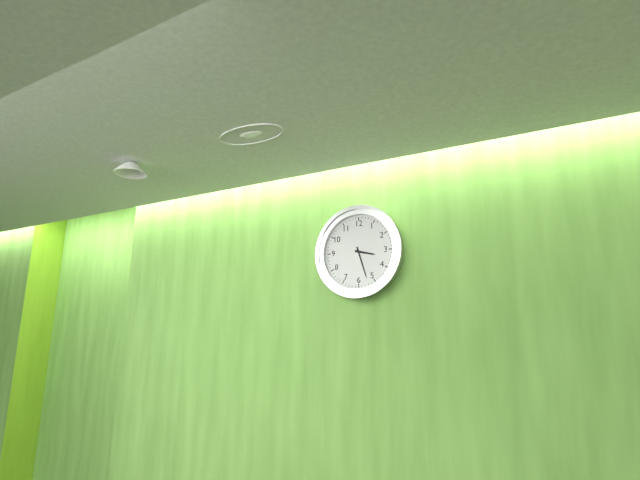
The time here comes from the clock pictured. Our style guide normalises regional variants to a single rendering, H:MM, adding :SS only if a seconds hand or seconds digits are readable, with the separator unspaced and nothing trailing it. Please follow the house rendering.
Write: 3:27
